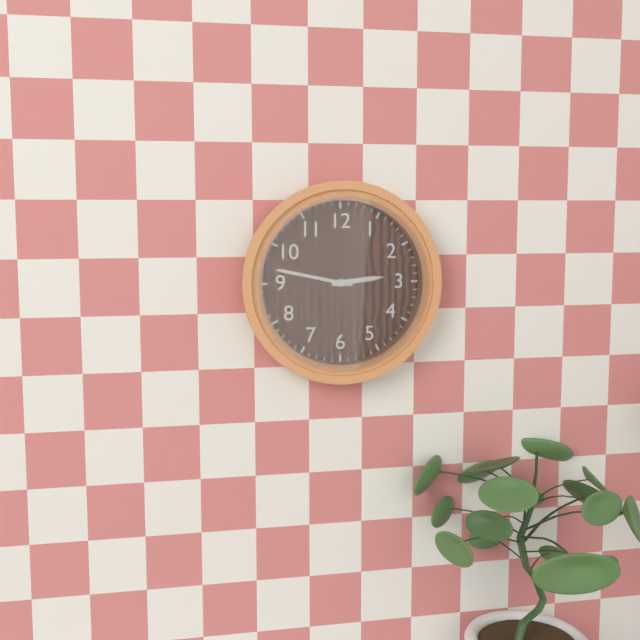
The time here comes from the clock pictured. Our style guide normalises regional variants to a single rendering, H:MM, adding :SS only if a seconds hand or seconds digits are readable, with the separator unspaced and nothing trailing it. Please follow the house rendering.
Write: 2:47
